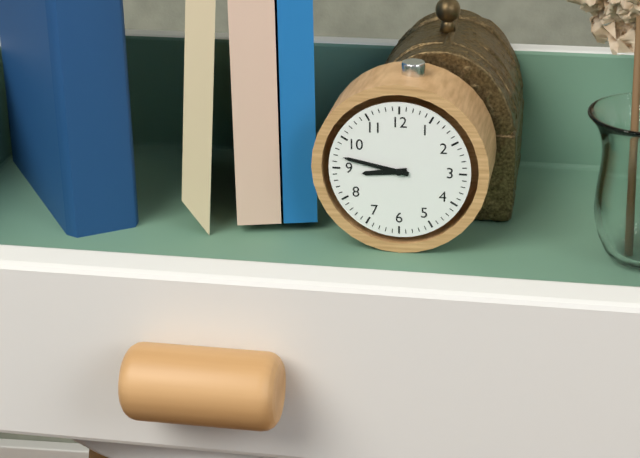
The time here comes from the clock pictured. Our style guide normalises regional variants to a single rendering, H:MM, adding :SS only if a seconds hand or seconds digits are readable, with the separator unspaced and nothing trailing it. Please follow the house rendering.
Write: 8:47
